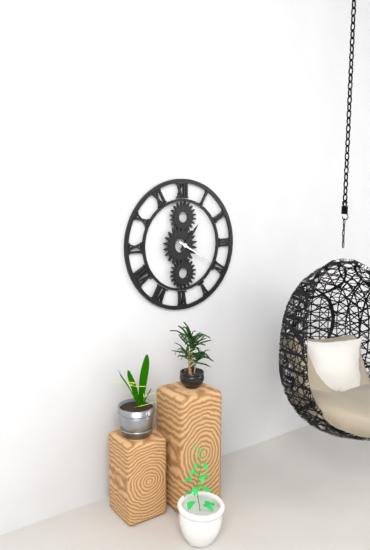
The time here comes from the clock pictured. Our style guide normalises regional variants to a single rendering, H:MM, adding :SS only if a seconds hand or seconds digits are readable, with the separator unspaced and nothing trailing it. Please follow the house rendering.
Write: 1:20
